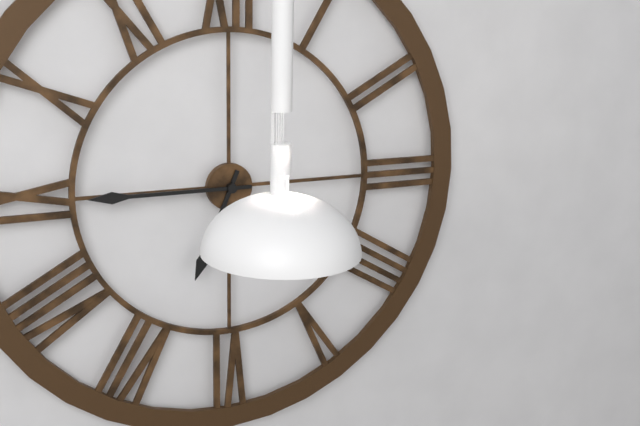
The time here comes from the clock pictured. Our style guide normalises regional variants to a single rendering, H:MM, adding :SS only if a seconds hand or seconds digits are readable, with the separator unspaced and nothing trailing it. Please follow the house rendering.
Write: 6:45
